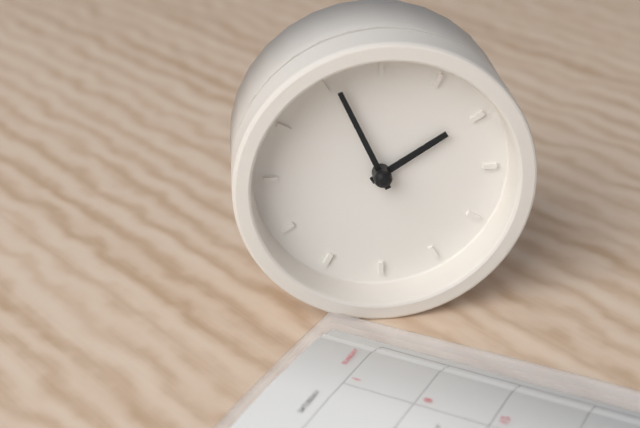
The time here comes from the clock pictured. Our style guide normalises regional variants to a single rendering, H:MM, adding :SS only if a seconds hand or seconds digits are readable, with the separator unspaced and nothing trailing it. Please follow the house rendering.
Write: 1:56
